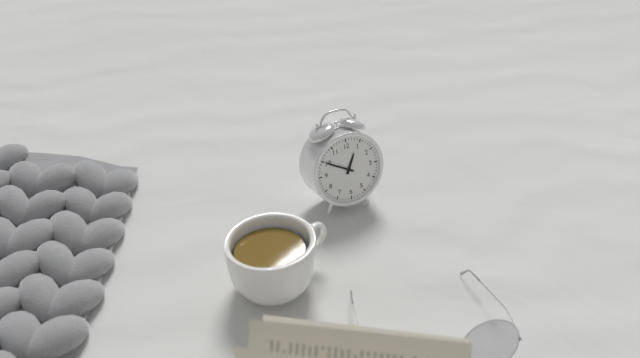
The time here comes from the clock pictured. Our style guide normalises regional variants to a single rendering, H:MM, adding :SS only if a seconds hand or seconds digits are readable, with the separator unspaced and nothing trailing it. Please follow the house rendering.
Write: 12:50
